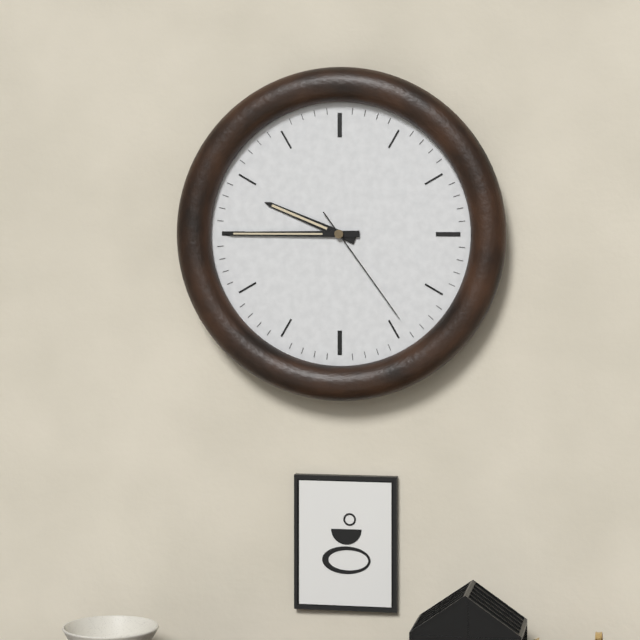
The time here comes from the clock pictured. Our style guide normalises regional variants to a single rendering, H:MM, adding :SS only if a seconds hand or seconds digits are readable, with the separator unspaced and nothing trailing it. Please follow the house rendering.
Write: 9:45:24
